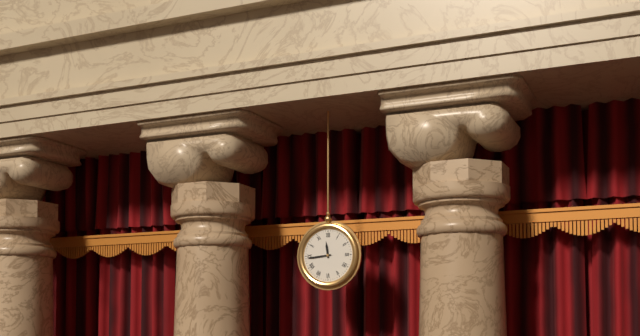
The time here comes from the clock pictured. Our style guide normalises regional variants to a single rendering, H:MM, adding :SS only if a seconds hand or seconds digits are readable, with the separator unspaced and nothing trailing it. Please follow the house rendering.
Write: 11:44
